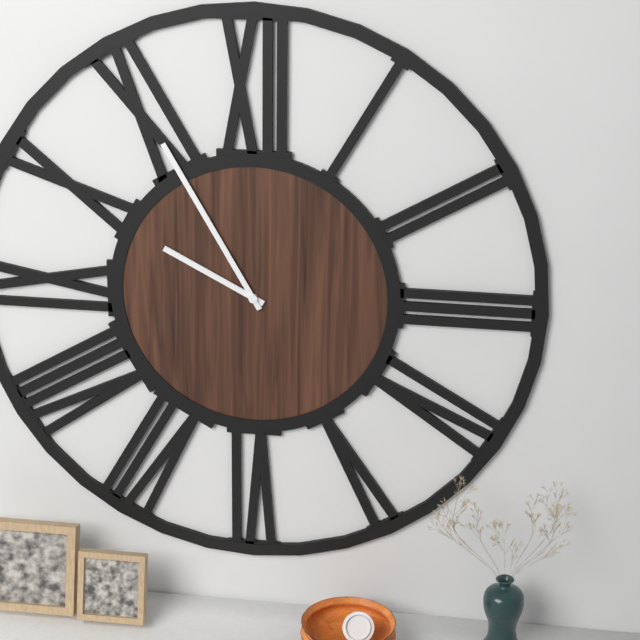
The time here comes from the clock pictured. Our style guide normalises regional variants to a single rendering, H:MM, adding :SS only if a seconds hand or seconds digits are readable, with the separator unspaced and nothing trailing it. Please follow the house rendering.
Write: 9:55
